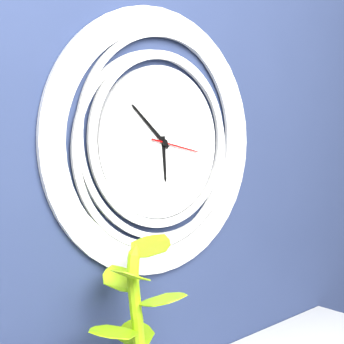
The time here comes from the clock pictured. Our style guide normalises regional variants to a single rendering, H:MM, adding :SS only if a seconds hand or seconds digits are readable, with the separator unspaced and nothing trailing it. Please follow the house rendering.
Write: 5:52
